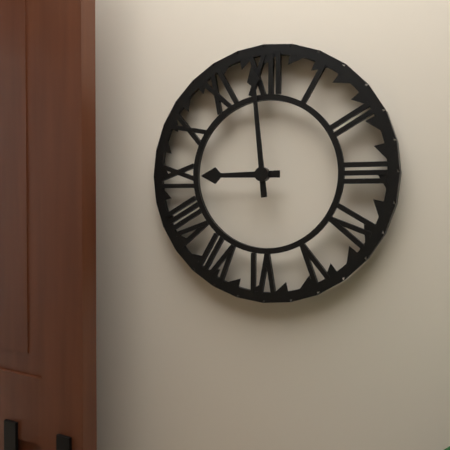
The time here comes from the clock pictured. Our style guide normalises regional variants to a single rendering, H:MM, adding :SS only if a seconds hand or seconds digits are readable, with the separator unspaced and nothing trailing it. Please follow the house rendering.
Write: 8:59
